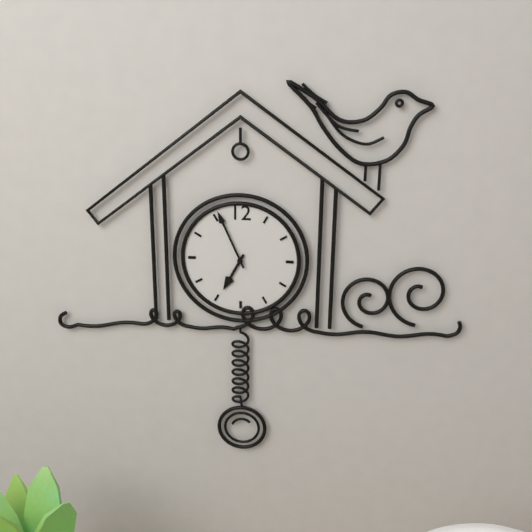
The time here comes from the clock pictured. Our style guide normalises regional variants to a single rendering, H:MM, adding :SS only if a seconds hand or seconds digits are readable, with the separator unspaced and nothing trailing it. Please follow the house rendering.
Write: 6:56
